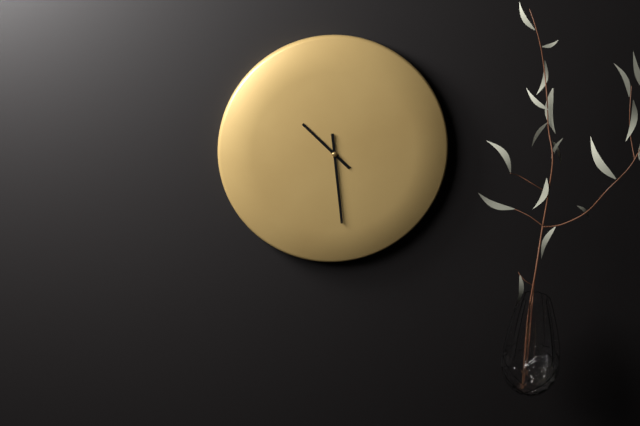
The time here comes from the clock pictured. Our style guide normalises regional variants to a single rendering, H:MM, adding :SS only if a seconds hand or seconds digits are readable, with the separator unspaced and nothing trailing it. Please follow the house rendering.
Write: 10:29
